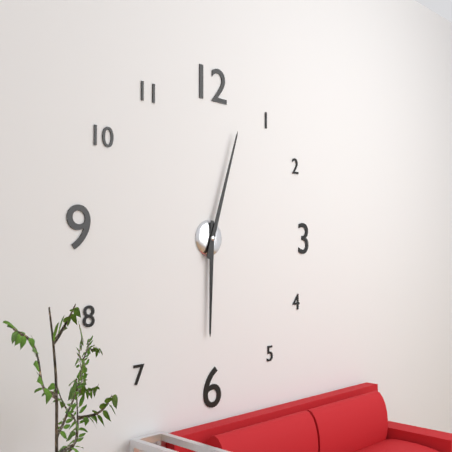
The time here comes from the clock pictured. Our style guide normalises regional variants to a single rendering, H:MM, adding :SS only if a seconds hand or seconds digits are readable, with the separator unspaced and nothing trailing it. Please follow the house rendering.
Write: 6:03
